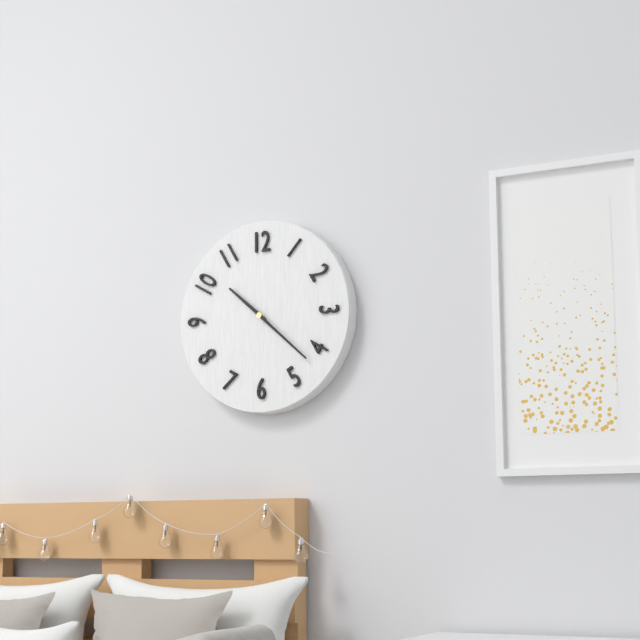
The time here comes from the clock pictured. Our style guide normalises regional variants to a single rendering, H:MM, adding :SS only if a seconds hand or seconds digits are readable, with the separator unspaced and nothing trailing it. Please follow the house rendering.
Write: 10:22
